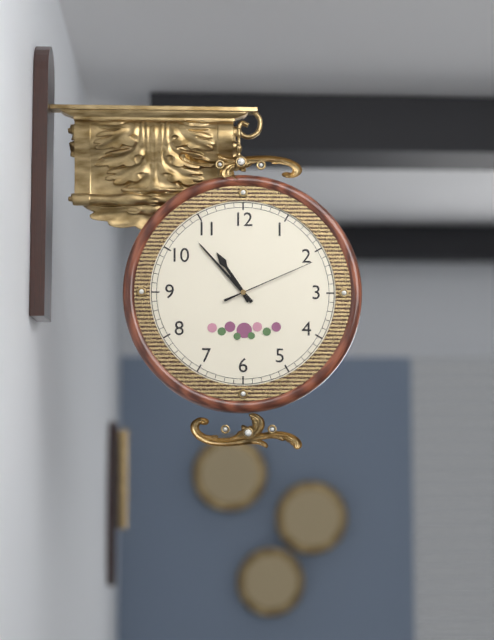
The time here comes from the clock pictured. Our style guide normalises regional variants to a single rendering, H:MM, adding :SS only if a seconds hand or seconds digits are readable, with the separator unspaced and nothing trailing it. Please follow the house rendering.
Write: 10:53:11
